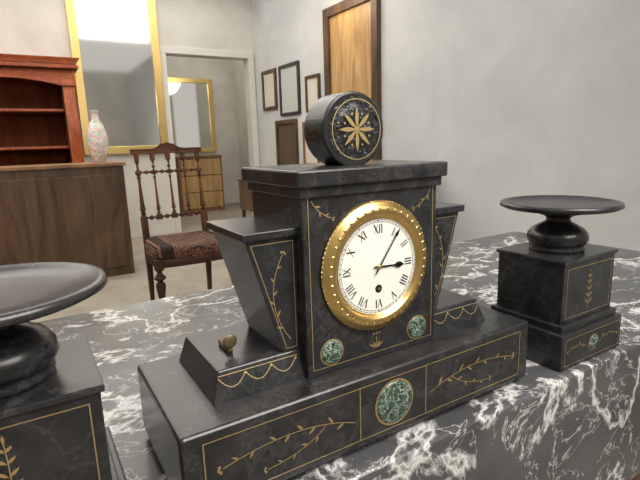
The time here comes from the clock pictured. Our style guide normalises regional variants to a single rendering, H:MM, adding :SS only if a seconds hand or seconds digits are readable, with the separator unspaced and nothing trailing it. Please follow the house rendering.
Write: 3:06
